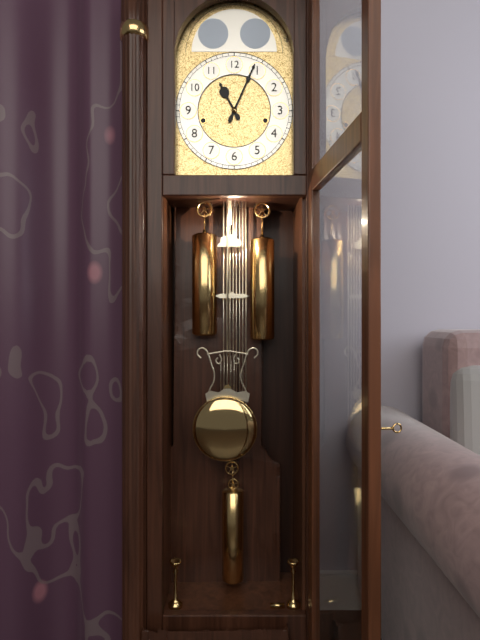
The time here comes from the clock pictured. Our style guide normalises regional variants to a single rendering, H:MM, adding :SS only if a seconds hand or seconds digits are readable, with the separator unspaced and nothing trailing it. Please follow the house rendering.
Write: 11:04
